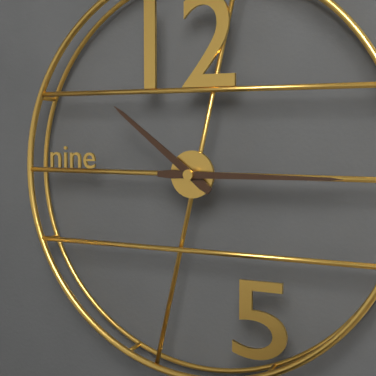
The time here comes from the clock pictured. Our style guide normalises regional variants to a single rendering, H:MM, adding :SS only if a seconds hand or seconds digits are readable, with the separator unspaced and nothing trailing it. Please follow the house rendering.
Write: 10:15
